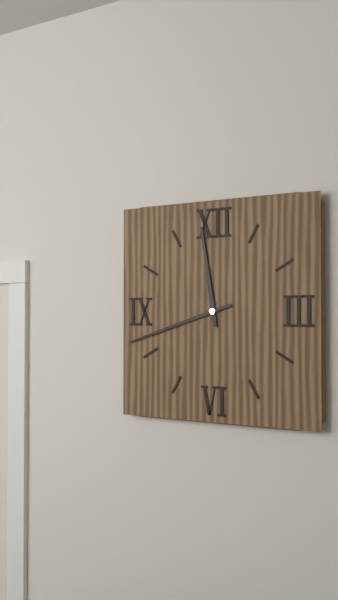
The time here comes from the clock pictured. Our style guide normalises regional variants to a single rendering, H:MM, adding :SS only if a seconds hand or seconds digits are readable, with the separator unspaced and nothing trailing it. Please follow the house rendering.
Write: 11:42
